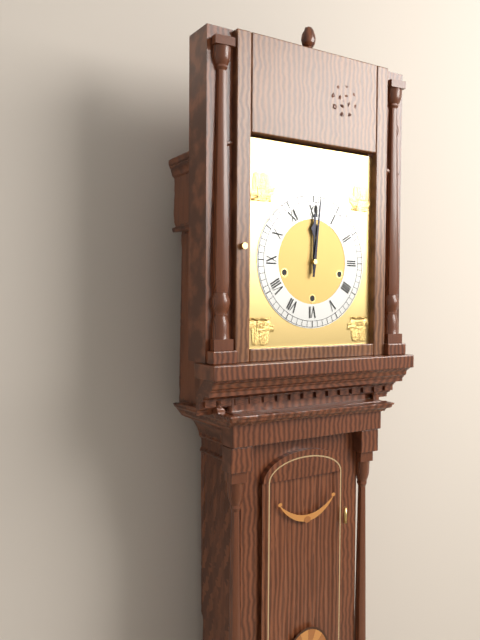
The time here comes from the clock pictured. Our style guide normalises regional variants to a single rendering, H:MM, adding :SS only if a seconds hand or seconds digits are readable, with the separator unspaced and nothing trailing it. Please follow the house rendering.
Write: 12:01
